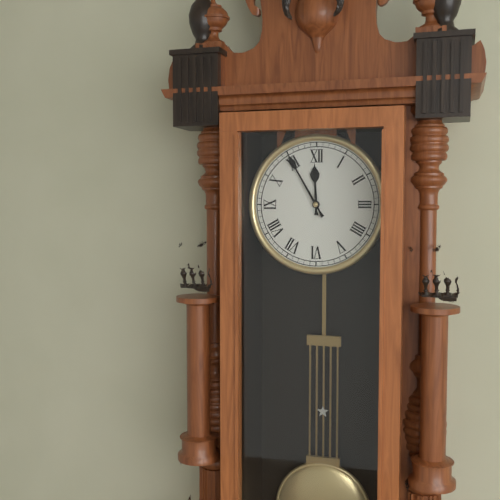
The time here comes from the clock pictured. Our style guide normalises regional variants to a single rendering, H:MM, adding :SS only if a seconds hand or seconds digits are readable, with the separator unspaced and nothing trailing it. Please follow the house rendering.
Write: 11:55
